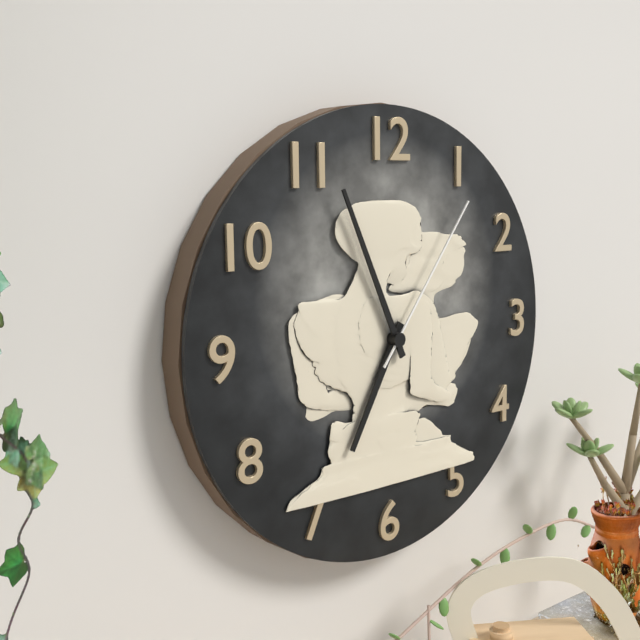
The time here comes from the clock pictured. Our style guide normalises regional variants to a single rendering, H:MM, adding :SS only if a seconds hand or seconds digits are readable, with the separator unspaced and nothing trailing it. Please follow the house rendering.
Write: 6:56:06
